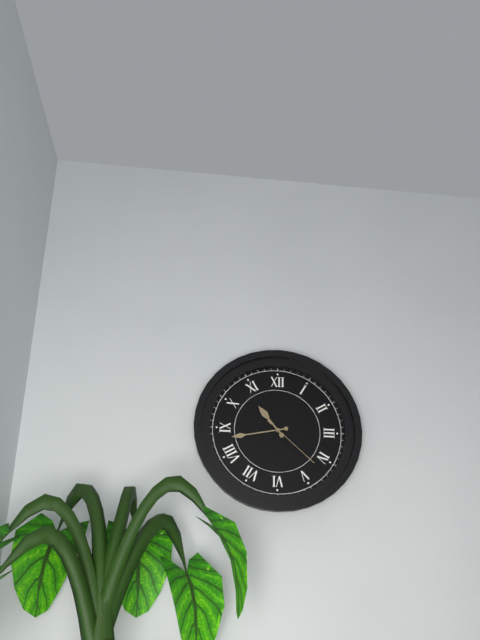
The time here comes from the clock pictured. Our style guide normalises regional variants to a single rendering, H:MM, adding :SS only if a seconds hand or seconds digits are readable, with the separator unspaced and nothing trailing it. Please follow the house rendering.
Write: 10:43:22
